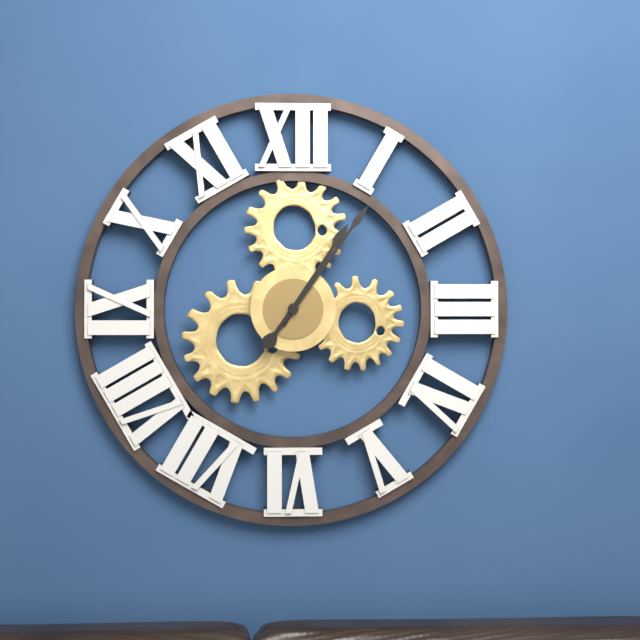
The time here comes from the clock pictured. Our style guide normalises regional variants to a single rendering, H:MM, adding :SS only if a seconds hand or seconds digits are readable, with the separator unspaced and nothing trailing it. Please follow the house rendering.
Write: 1:06
